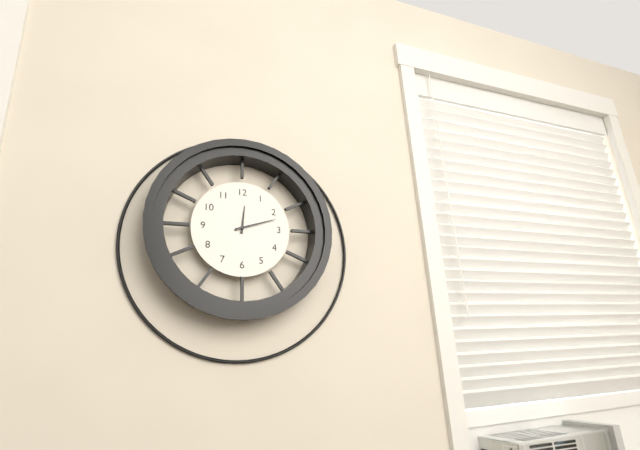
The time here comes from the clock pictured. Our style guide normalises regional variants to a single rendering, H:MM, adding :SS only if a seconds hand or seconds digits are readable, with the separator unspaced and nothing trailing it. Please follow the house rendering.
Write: 12:12
